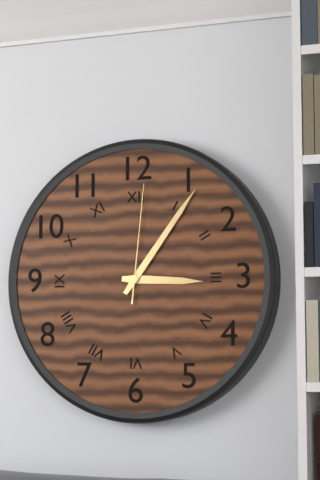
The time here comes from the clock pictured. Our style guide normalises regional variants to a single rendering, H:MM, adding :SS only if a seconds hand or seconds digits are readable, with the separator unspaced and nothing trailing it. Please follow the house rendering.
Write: 3:06:01
